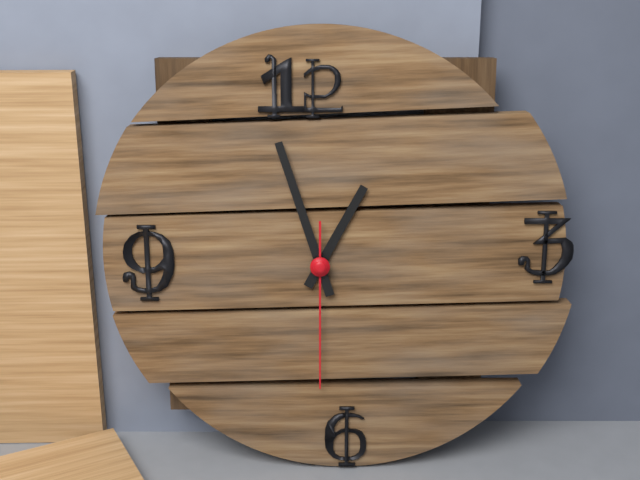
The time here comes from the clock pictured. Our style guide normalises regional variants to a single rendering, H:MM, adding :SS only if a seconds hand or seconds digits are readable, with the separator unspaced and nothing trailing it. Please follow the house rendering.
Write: 12:57:30
